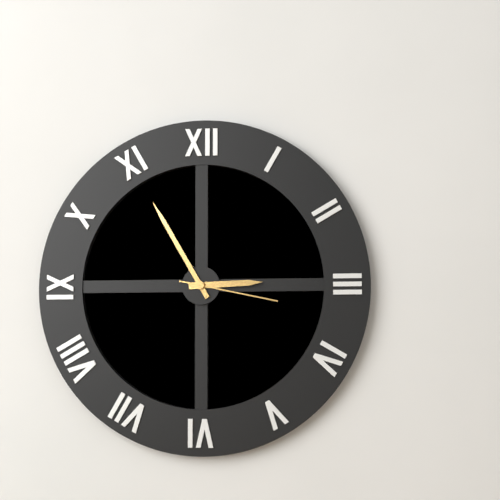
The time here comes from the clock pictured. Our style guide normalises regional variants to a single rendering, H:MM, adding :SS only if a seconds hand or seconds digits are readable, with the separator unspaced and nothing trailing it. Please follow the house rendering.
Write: 2:55:17
